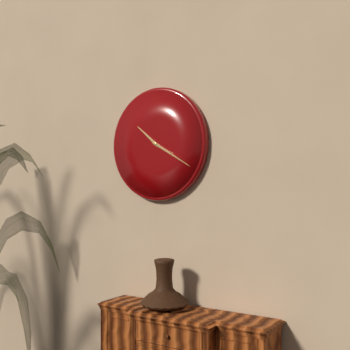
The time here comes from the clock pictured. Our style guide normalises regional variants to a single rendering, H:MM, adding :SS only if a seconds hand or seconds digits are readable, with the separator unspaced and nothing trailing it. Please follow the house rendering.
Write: 10:20
